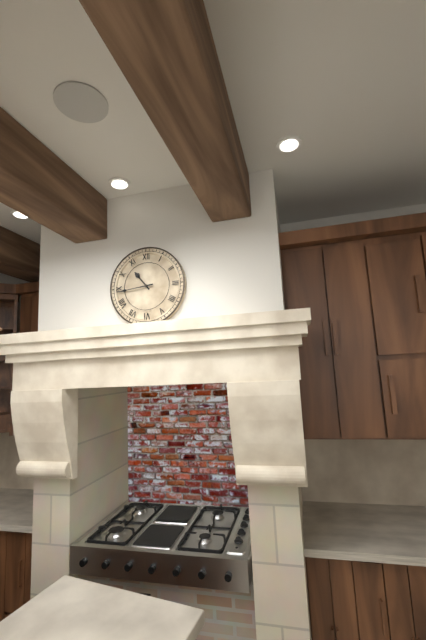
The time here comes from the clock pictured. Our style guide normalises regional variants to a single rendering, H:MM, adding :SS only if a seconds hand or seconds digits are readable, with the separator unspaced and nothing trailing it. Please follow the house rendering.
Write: 10:44
